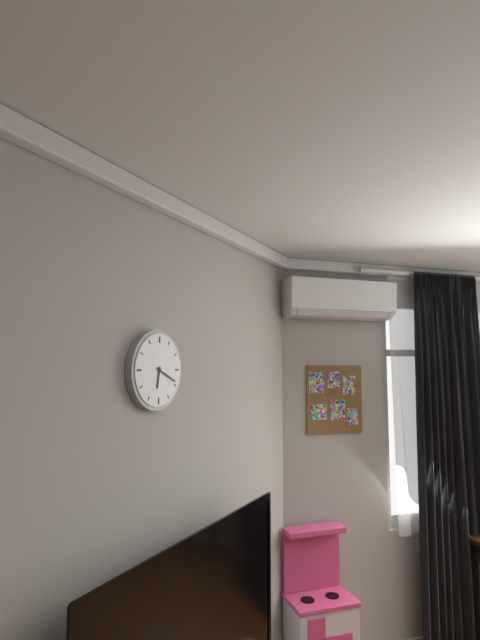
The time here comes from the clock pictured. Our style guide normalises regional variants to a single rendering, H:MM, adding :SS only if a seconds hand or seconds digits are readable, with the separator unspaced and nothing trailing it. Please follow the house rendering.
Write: 6:19
